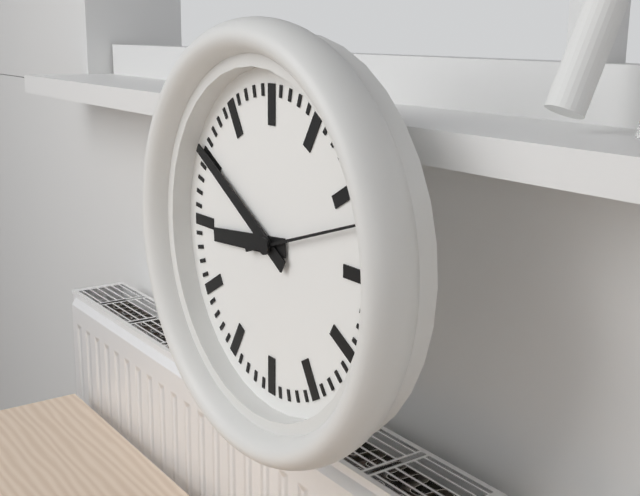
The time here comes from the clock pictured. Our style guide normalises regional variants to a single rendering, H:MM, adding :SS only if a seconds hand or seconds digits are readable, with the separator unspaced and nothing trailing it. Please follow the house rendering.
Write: 8:50:12
